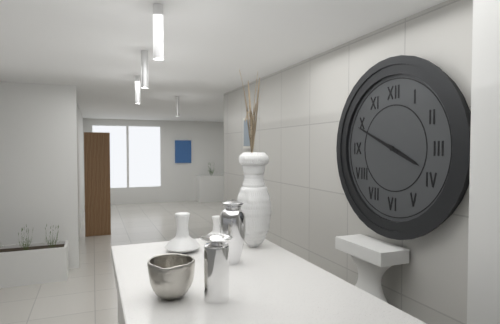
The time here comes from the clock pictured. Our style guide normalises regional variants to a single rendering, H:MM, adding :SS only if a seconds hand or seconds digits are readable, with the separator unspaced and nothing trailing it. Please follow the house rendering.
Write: 3:49
